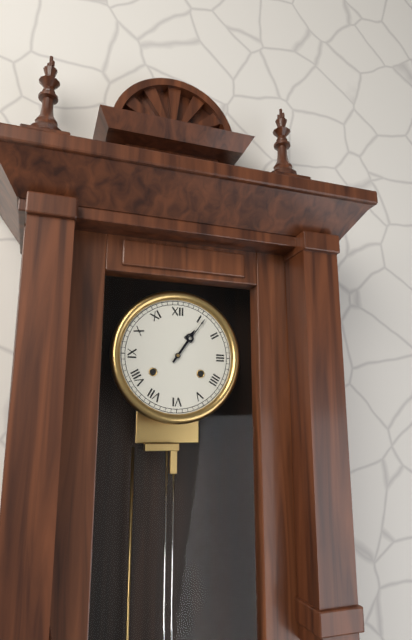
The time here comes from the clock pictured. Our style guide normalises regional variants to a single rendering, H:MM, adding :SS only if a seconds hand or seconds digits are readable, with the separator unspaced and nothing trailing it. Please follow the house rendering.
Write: 1:06
